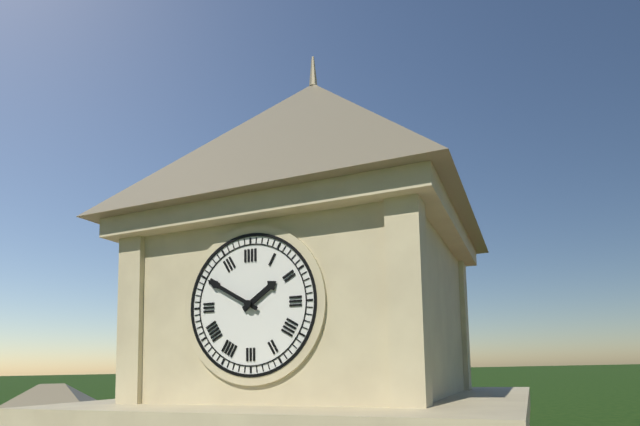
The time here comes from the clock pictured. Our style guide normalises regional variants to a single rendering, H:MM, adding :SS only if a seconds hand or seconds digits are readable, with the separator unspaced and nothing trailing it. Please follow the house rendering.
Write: 1:50
